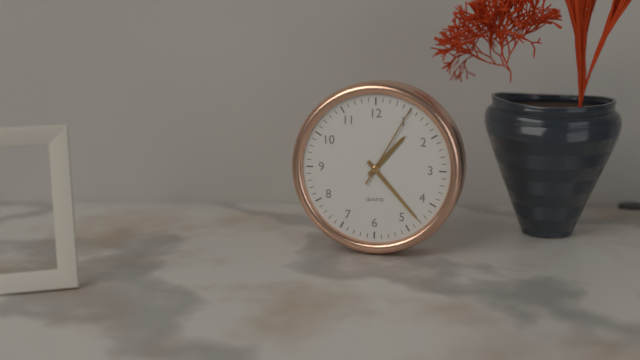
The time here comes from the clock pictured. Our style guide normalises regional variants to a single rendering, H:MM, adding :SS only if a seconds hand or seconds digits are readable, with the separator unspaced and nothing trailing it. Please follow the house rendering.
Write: 1:23:05
